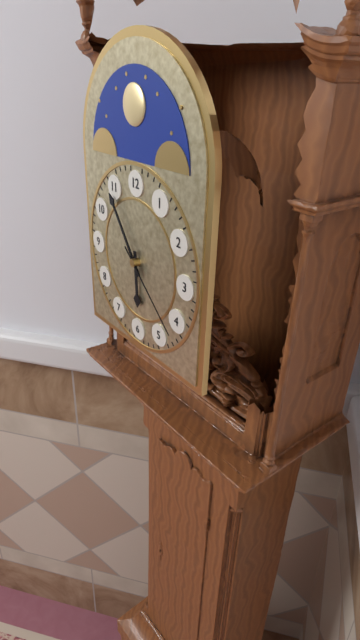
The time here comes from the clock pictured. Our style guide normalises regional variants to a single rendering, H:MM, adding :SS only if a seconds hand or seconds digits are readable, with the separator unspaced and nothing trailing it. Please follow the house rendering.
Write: 5:54:22
